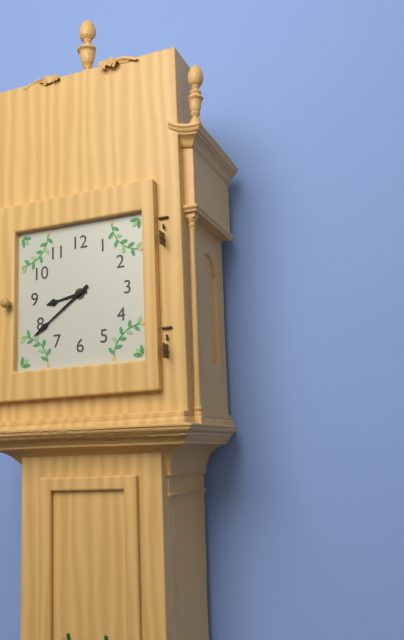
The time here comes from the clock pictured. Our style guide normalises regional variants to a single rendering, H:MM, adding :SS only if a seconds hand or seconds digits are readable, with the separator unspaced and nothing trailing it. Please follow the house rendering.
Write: 8:39
